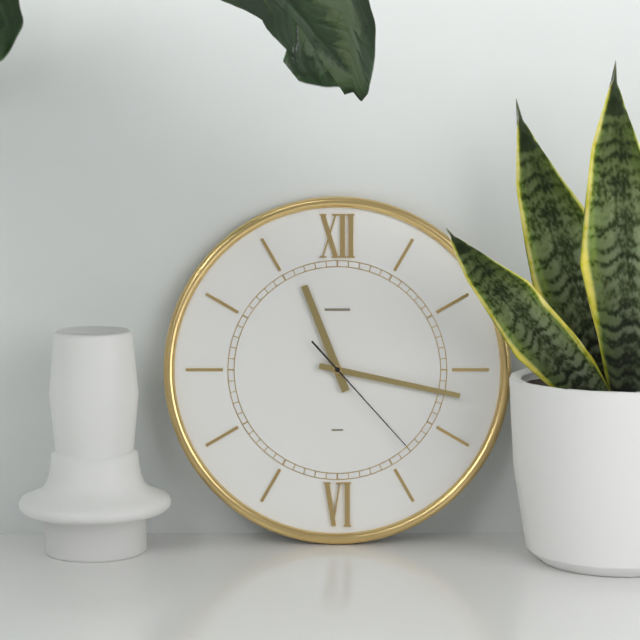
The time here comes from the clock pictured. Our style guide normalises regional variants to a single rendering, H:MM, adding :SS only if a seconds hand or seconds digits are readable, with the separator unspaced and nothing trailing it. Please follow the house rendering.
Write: 11:17:23
